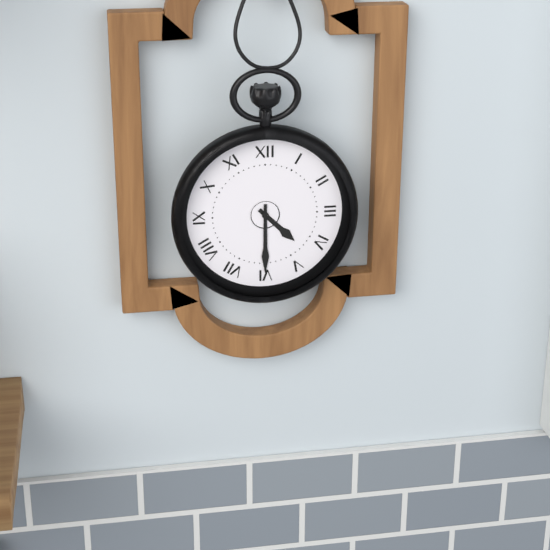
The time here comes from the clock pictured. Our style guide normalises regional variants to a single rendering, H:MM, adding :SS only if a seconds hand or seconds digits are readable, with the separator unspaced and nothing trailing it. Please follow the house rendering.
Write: 4:30
